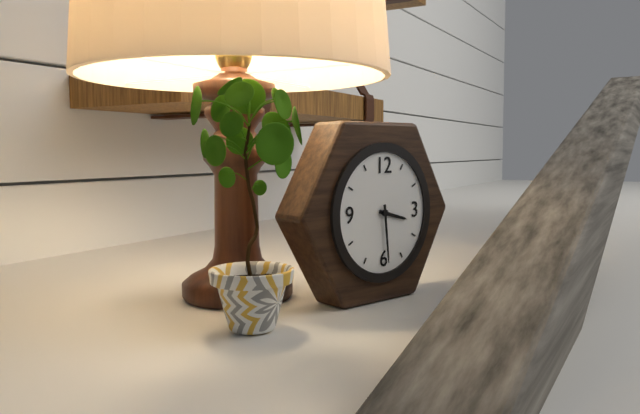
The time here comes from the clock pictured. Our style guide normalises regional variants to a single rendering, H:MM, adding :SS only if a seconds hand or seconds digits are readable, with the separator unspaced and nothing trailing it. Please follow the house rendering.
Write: 3:29
